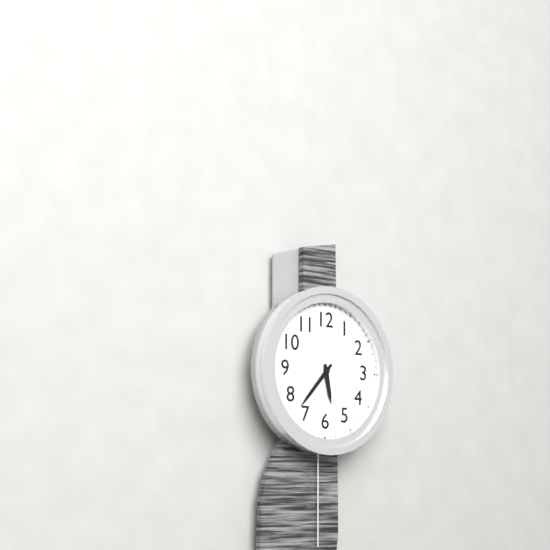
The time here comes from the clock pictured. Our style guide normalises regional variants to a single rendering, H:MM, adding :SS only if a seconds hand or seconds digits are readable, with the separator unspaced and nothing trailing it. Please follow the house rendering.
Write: 5:37
